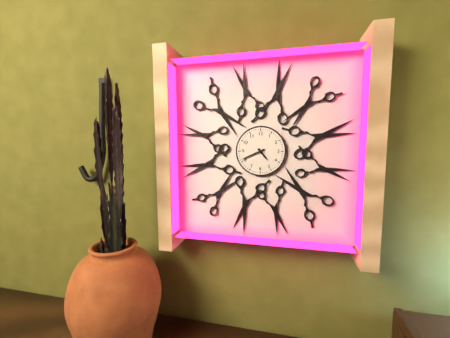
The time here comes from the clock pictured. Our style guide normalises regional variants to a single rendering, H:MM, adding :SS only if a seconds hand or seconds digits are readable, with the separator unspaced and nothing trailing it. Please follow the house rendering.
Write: 4:41
